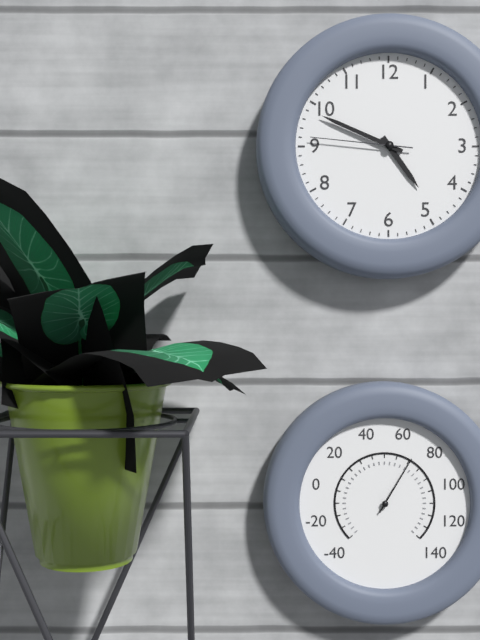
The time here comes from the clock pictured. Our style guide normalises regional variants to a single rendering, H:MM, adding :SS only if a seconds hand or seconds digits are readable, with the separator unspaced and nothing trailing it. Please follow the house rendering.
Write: 4:49:46
